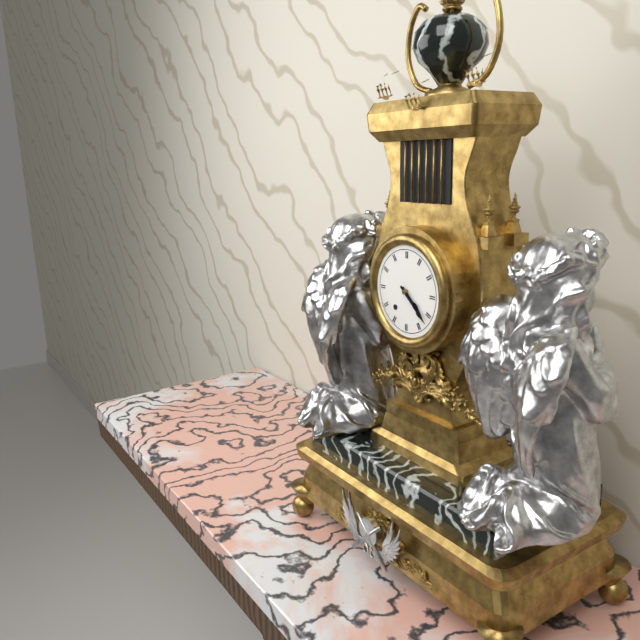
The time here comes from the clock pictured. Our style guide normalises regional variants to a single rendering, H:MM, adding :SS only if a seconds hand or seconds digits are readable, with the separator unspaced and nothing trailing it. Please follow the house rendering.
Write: 4:22
